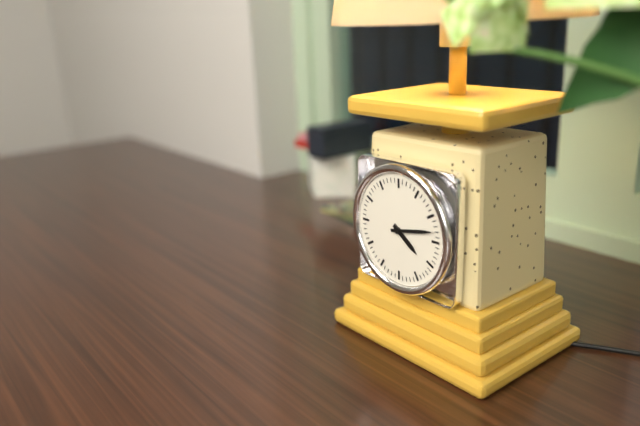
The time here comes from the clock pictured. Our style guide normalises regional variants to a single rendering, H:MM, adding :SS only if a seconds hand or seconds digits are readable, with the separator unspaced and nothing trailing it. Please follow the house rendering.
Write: 4:13
